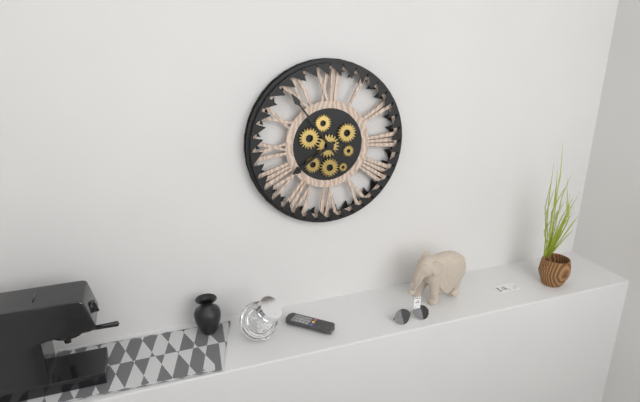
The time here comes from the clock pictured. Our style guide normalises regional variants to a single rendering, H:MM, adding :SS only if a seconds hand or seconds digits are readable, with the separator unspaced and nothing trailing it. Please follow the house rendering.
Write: 7:54
